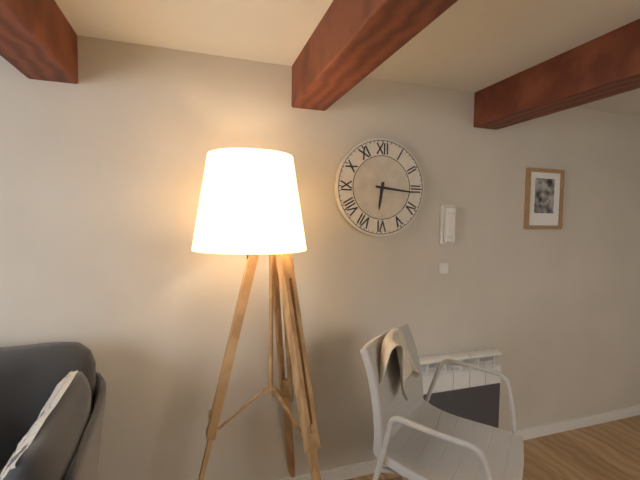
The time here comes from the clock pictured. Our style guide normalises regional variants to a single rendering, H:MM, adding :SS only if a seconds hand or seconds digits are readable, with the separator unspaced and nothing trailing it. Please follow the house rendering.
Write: 6:16
